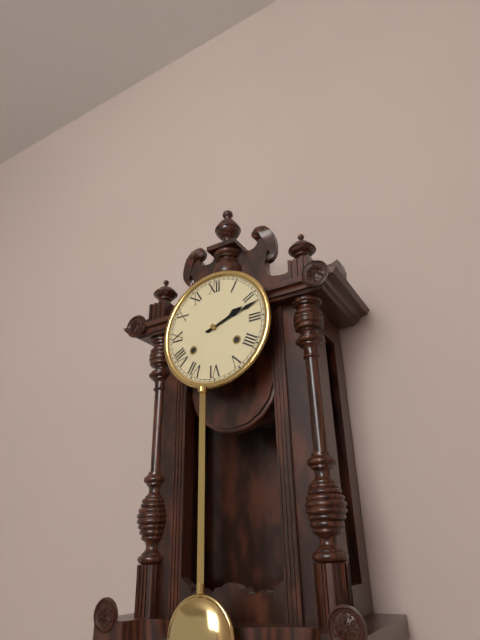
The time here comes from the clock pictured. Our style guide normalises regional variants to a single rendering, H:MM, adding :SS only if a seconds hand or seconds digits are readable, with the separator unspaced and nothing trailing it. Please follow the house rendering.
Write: 2:12
